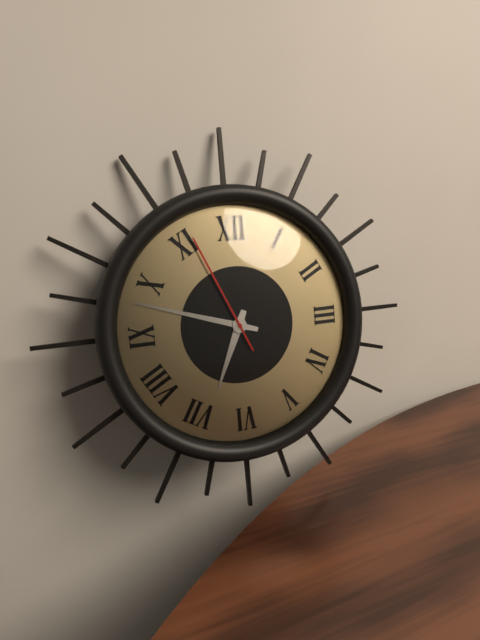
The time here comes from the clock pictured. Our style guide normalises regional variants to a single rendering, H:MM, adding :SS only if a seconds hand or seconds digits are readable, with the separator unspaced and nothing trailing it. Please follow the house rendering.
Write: 6:48:56
